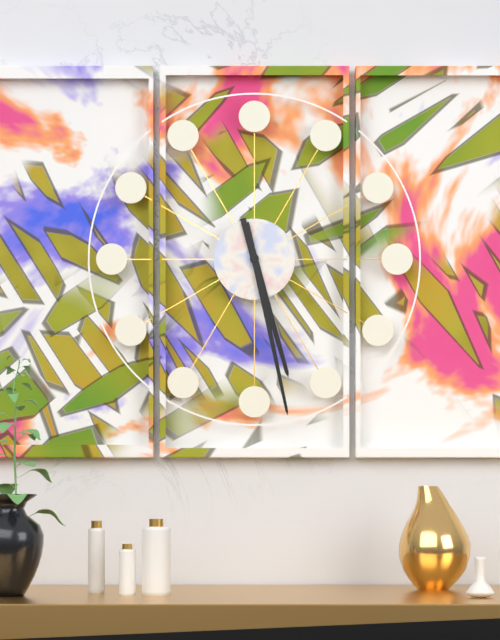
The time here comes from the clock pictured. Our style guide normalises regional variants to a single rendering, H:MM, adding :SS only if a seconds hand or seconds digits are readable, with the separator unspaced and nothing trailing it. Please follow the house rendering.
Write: 5:28
